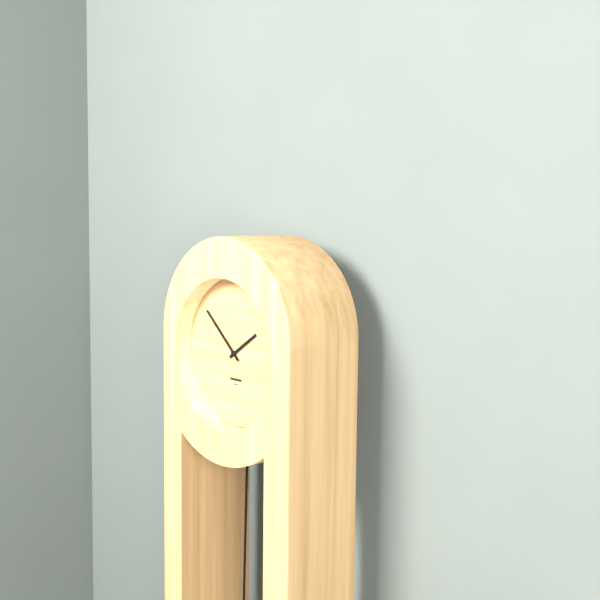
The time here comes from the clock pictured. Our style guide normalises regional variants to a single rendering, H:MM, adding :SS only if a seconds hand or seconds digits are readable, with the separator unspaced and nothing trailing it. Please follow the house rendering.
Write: 1:52
